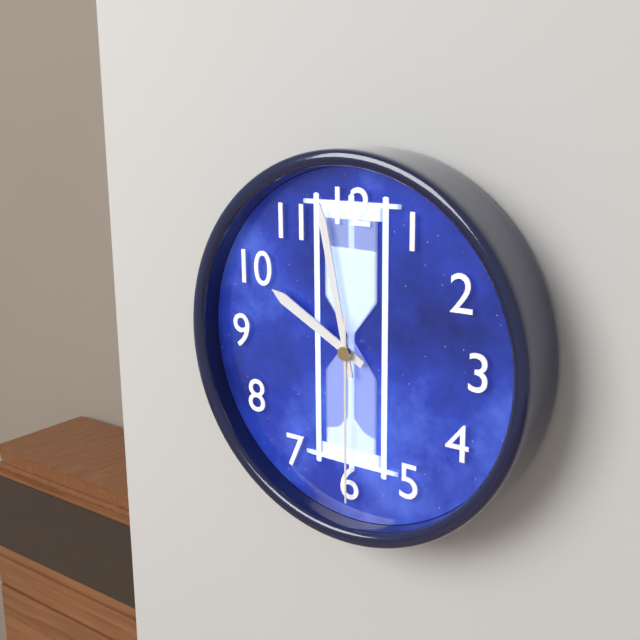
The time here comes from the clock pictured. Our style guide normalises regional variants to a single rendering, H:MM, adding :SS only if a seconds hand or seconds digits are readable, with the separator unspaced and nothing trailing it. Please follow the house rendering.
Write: 9:58:30
